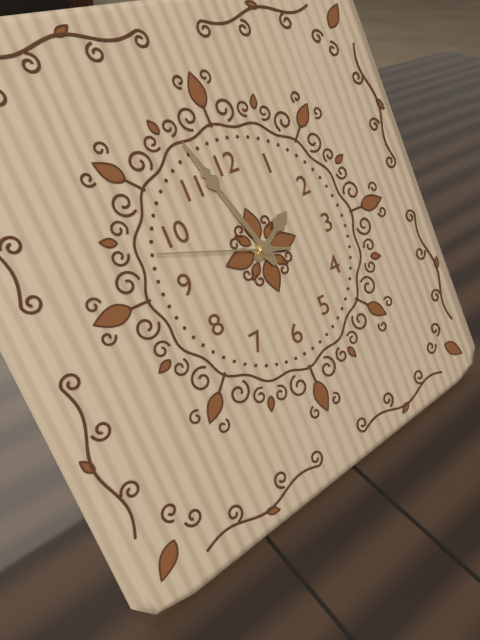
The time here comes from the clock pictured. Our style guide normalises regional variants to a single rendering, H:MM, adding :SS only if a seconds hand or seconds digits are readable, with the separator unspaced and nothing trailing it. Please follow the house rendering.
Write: 1:57:48
